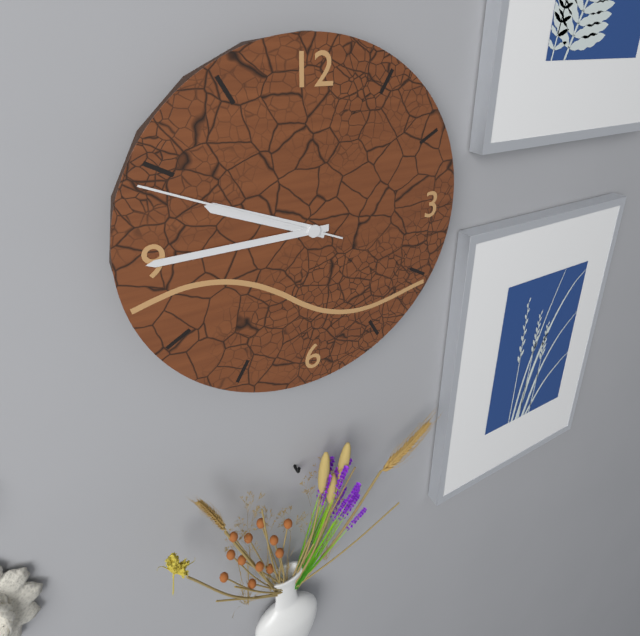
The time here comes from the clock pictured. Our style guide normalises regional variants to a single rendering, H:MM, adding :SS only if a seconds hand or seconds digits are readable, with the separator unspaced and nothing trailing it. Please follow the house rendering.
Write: 9:45:49
